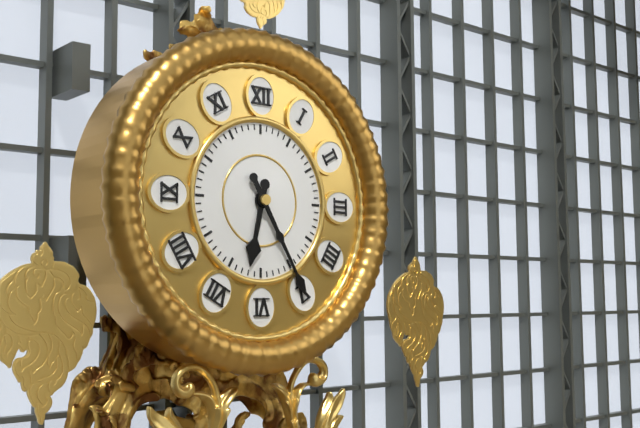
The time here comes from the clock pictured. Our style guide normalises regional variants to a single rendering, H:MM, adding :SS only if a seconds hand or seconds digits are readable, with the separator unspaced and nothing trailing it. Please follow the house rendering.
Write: 6:25
